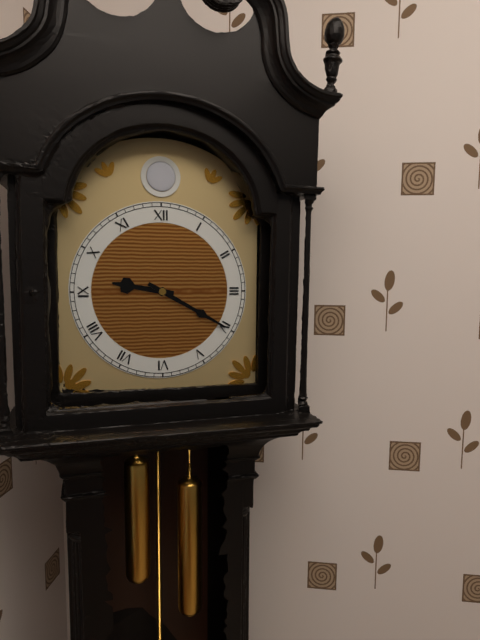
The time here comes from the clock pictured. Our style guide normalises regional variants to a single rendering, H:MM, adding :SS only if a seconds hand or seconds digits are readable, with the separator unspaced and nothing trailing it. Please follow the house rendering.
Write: 9:20
